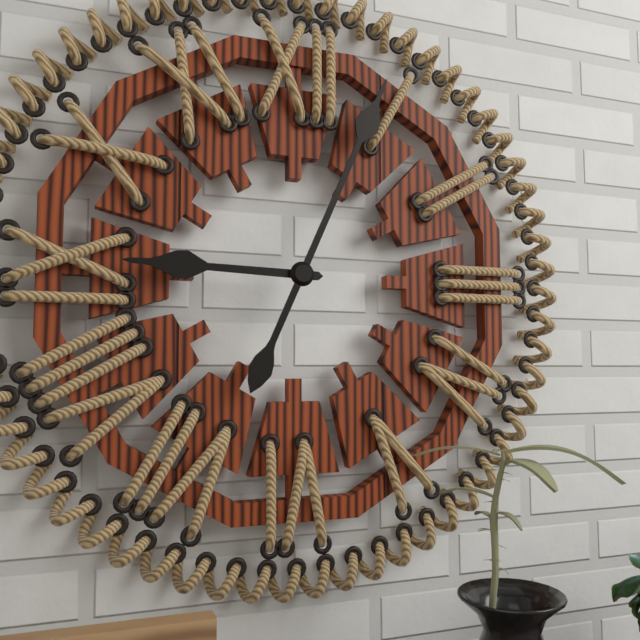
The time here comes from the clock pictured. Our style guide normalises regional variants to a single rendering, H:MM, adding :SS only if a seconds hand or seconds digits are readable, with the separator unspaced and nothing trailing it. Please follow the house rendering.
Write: 9:04
